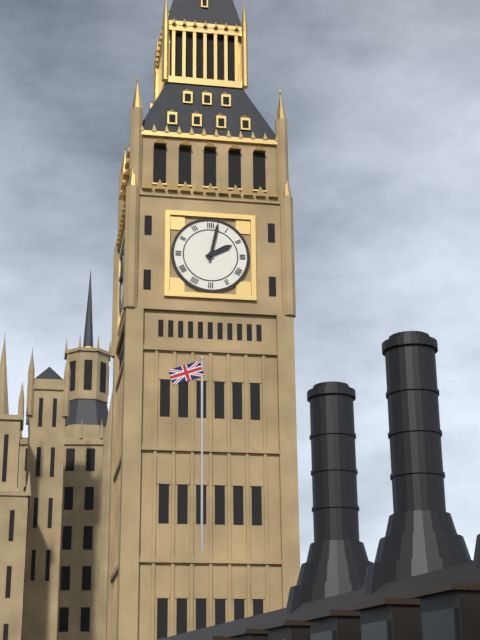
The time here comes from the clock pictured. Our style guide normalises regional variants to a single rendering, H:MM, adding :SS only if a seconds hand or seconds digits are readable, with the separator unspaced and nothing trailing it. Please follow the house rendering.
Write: 2:02
